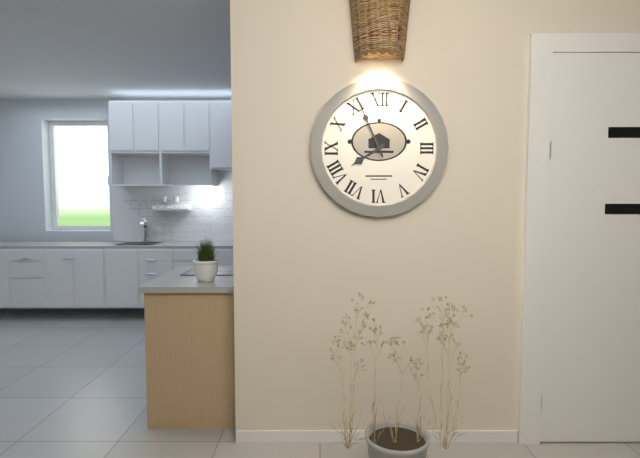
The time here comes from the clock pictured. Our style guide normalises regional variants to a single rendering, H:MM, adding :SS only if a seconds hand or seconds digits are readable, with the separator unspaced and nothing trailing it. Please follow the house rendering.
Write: 7:56
